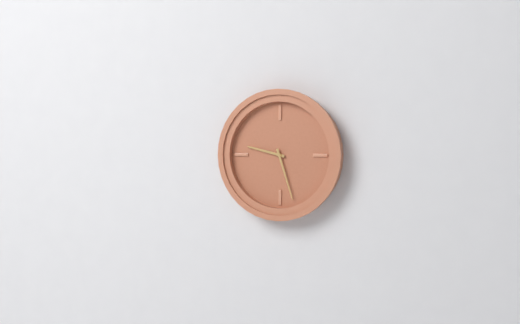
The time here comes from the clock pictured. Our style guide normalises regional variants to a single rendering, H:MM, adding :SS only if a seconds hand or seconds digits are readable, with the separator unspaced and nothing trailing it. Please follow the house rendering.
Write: 9:27
